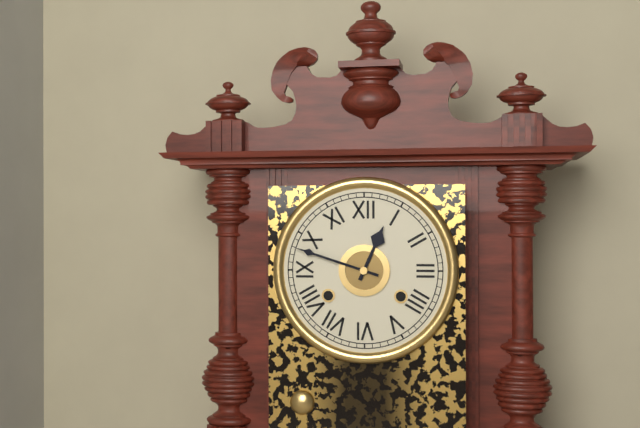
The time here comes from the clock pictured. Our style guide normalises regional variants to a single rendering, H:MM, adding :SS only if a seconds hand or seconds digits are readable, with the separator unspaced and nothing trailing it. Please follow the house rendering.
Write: 12:48
